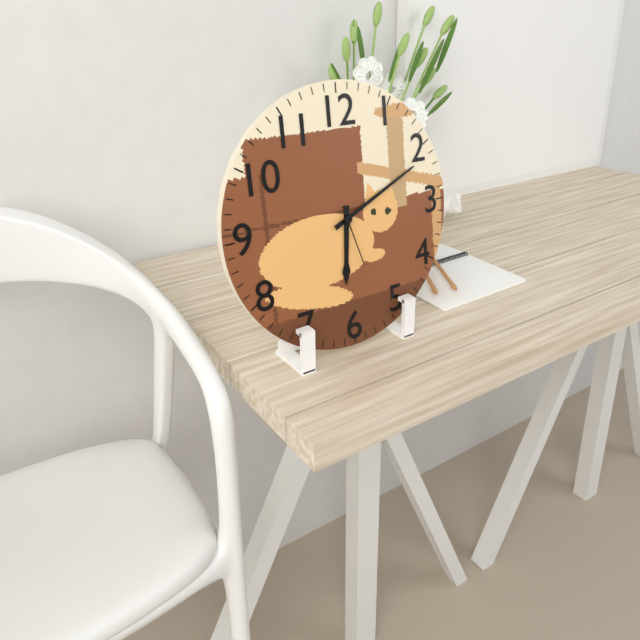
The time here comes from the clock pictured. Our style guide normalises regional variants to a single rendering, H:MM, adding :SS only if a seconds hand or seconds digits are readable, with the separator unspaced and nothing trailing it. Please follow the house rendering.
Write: 6:11:27
